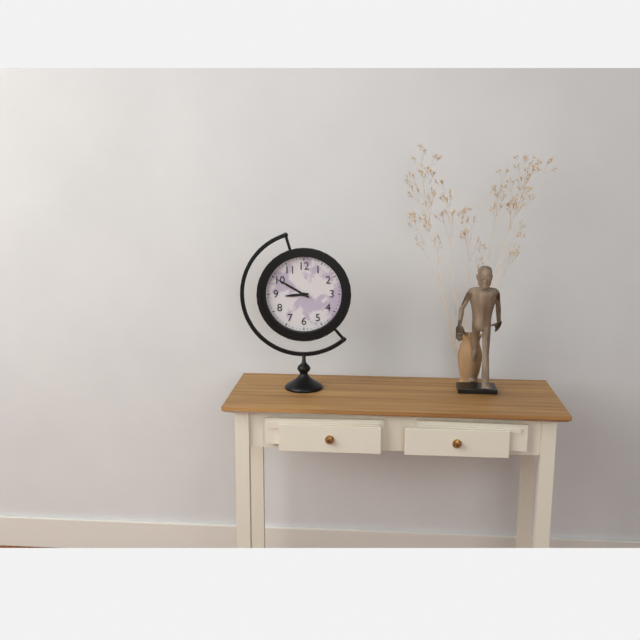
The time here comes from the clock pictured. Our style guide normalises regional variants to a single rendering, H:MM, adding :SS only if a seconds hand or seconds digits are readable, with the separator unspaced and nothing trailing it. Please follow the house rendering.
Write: 8:50
